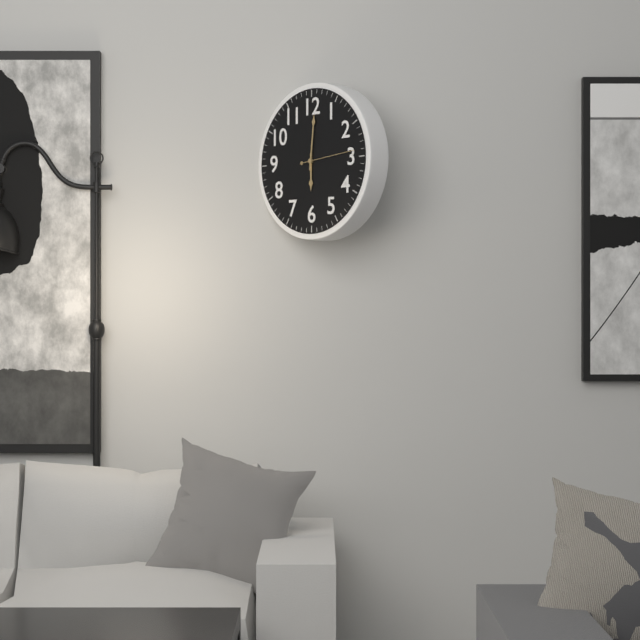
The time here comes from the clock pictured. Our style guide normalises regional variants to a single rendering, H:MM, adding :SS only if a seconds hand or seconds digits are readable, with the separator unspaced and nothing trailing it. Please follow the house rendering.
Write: 6:01:14
